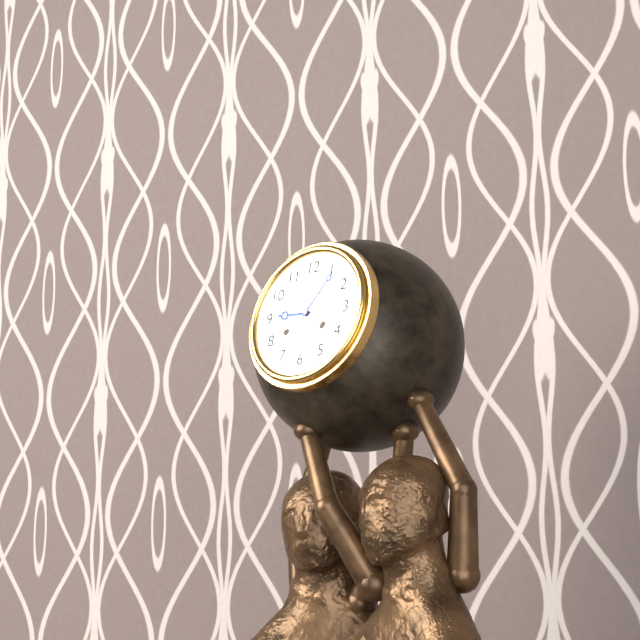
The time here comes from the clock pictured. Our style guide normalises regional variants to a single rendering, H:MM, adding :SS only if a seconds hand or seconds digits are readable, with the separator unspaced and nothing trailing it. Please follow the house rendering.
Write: 9:06
